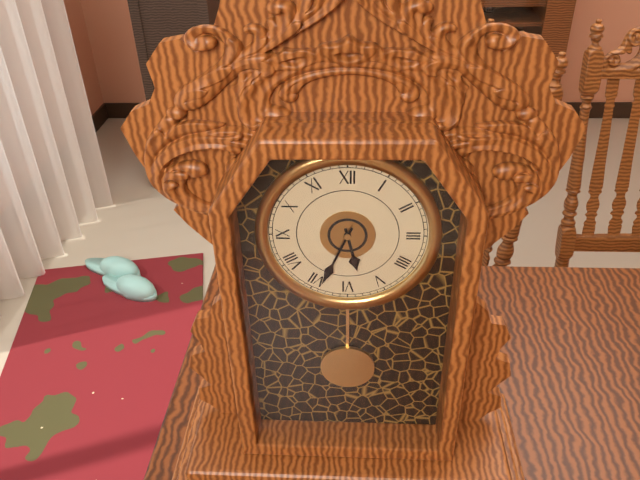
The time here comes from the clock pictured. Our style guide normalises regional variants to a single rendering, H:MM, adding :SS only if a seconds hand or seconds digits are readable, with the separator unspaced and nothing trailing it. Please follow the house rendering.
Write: 5:34
